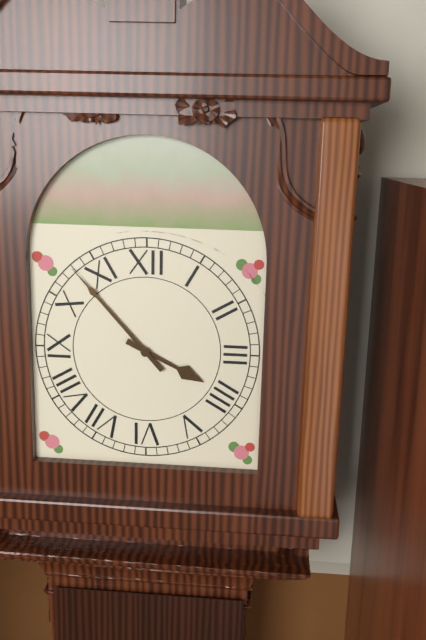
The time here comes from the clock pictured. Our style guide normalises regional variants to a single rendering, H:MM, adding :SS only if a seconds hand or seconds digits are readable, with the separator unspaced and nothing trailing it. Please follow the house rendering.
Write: 3:53
